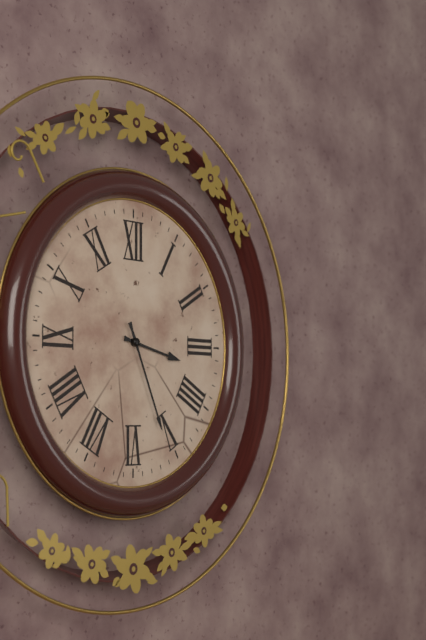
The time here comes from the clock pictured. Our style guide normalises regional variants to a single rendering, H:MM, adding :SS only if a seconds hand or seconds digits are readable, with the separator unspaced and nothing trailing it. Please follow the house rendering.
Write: 3:26
